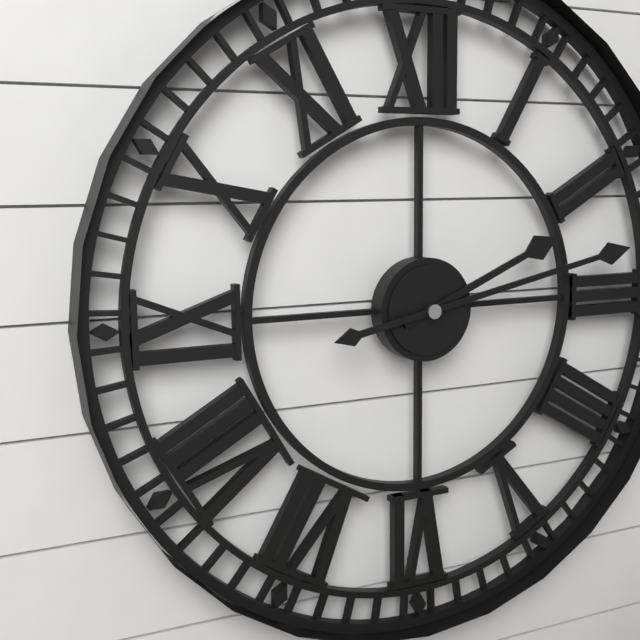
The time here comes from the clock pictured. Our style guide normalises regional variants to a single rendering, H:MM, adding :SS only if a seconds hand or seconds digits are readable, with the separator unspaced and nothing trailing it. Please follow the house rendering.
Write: 2:13
